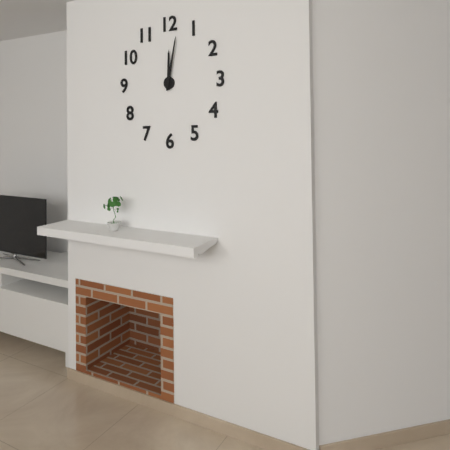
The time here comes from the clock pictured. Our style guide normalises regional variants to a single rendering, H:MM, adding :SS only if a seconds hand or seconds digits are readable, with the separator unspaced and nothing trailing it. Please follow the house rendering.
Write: 12:02
